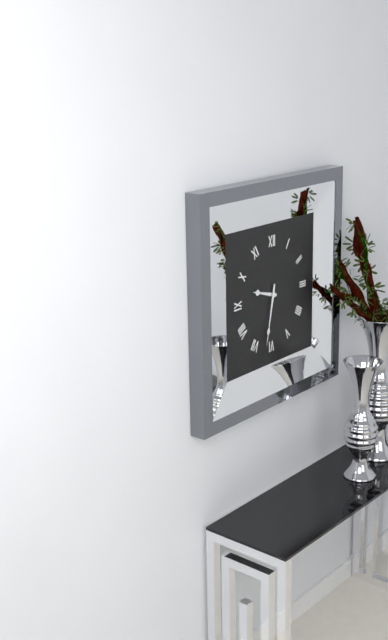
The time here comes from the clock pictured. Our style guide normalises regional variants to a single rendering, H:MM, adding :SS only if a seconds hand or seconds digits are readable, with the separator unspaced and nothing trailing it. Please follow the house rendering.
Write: 9:32
